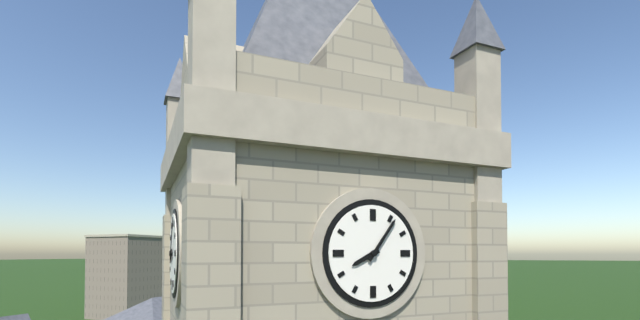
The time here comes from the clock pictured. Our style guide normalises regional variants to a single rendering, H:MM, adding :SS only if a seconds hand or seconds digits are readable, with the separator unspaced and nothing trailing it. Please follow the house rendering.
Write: 8:06
